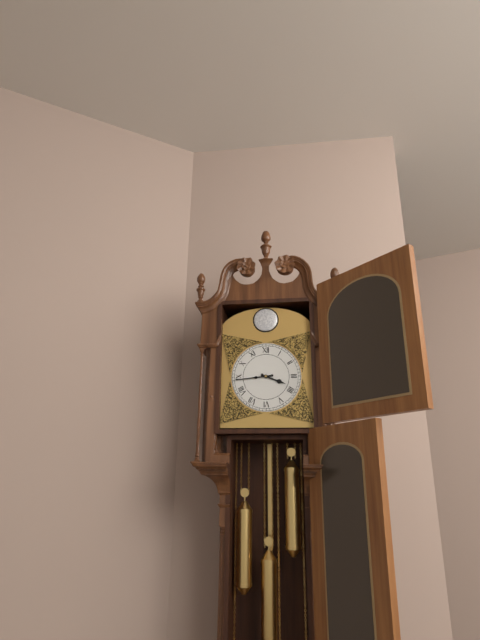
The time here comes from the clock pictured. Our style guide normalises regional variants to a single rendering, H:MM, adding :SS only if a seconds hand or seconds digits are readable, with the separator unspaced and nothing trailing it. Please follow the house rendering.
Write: 3:44
